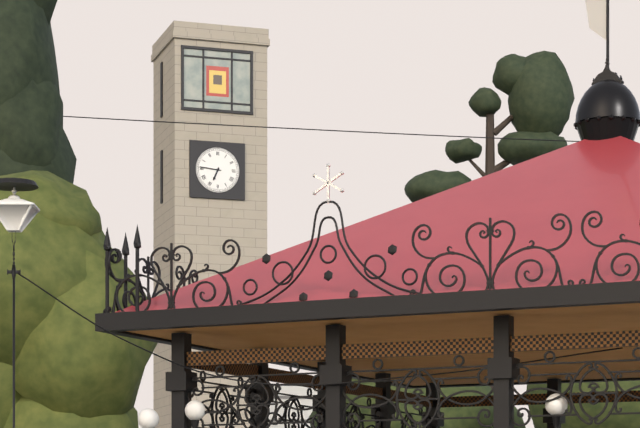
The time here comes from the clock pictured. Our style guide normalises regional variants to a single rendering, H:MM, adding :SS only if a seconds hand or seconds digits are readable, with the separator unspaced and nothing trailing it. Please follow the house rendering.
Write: 6:46
